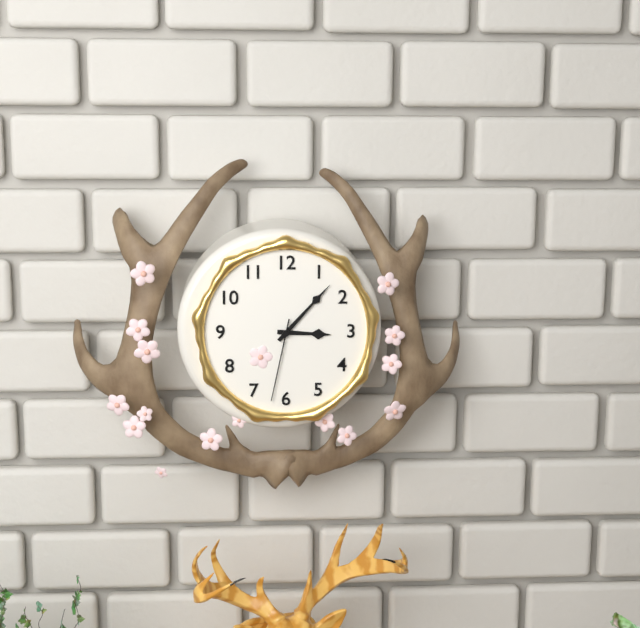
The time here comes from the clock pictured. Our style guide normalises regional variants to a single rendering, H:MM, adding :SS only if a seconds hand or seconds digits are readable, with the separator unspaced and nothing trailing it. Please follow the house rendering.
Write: 3:07:32
